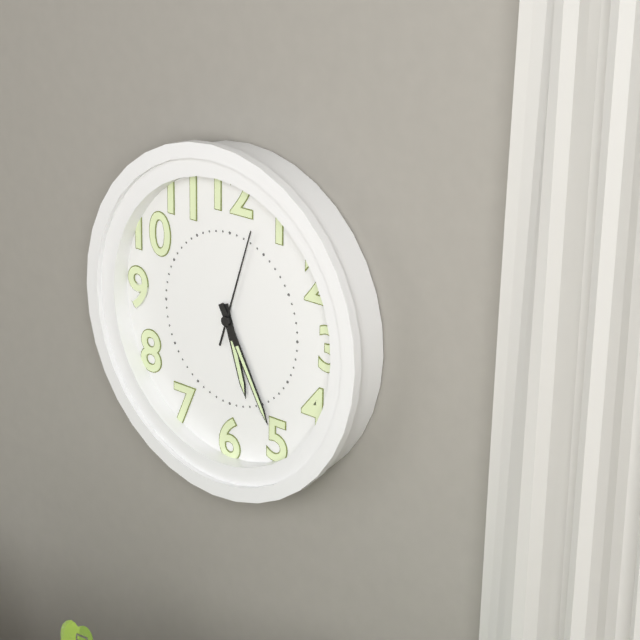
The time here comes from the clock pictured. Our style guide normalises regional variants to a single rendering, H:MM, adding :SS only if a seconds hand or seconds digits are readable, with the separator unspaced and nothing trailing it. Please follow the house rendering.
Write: 5:25:03
